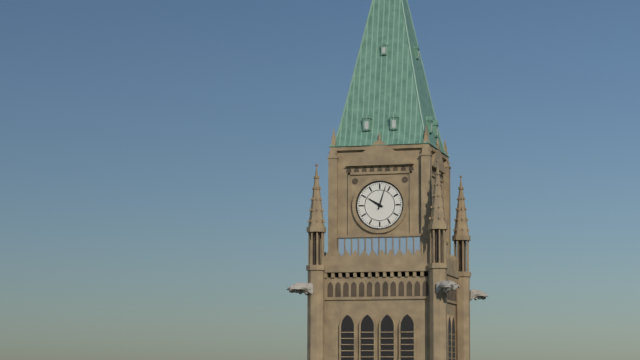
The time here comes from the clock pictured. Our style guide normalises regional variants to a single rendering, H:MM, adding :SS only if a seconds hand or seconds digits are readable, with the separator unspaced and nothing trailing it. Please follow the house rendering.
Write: 10:03
